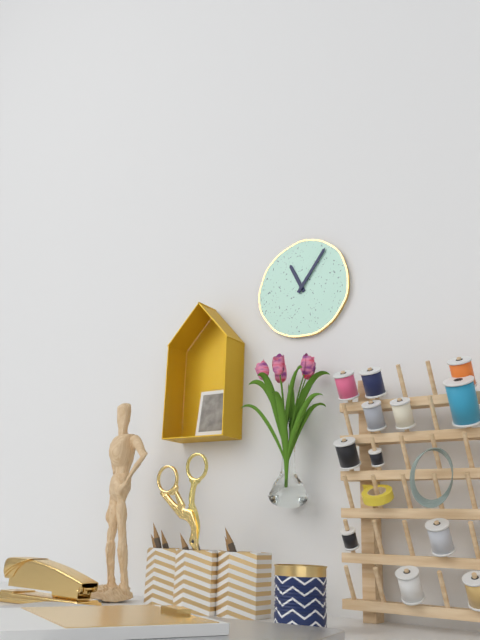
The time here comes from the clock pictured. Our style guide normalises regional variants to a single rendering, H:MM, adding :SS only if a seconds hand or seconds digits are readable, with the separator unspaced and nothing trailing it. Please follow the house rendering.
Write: 11:06
